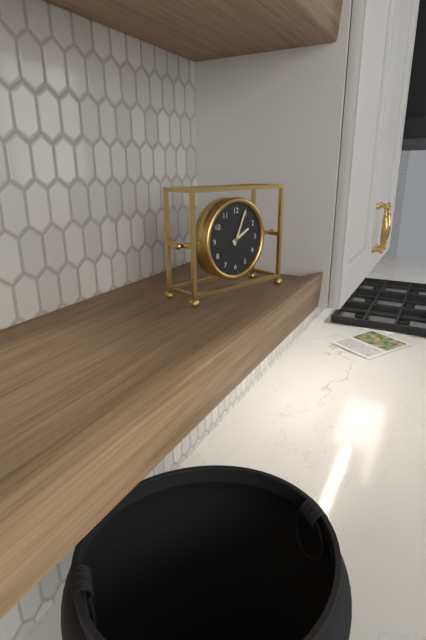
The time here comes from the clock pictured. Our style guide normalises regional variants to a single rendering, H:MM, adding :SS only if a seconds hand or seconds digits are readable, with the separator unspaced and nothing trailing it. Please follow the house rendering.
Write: 2:04
